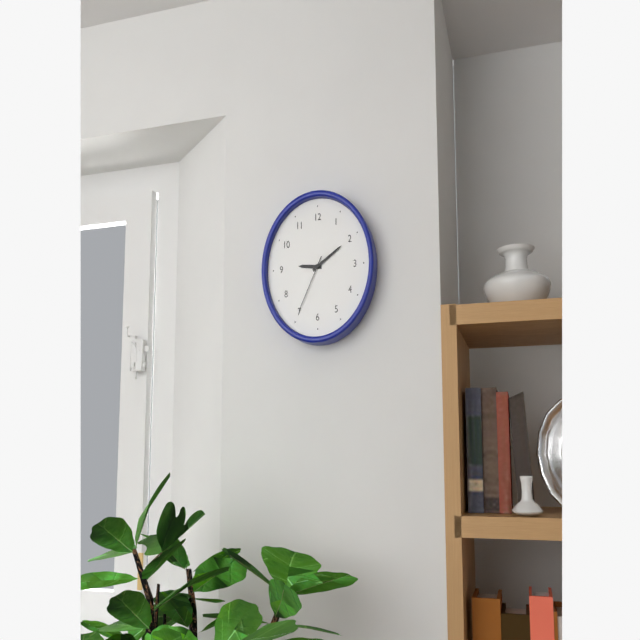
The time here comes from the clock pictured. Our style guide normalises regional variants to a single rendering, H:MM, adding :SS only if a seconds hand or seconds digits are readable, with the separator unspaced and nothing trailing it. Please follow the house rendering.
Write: 9:10:35
